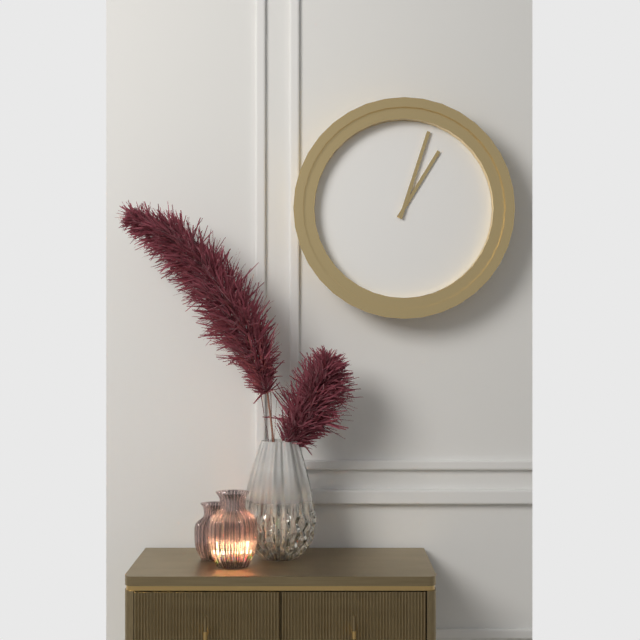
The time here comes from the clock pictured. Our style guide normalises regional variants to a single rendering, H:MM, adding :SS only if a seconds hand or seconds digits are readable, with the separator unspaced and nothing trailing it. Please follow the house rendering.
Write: 1:03
